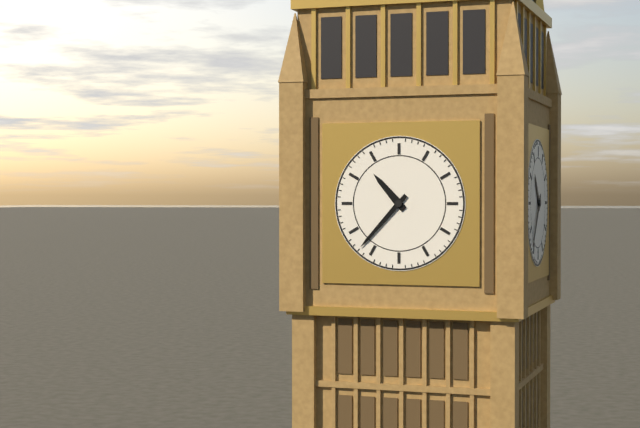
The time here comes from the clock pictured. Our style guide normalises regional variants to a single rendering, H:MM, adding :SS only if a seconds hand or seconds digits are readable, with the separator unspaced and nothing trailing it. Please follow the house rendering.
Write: 10:37
